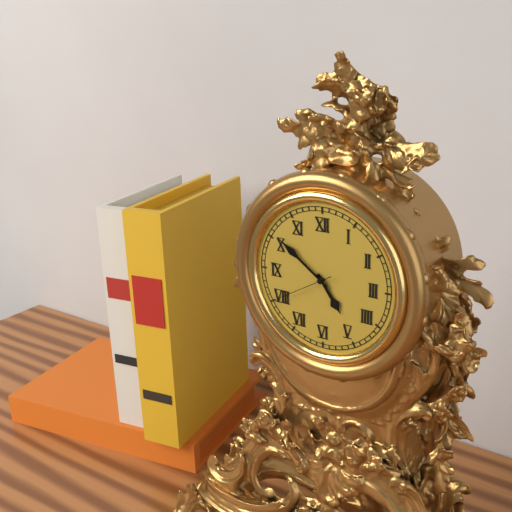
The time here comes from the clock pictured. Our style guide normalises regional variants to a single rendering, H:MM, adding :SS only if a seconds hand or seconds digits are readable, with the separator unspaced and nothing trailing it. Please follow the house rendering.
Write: 4:51:40
